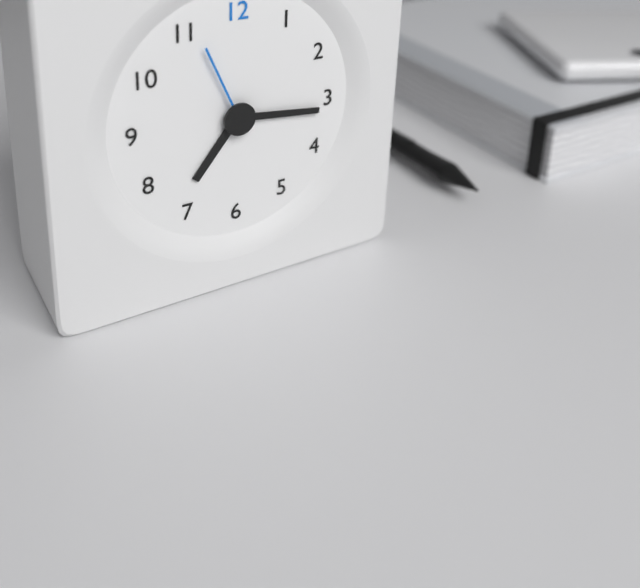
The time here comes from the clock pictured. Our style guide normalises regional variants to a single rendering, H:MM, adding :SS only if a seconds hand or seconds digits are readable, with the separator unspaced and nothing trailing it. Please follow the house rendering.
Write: 7:16:56
